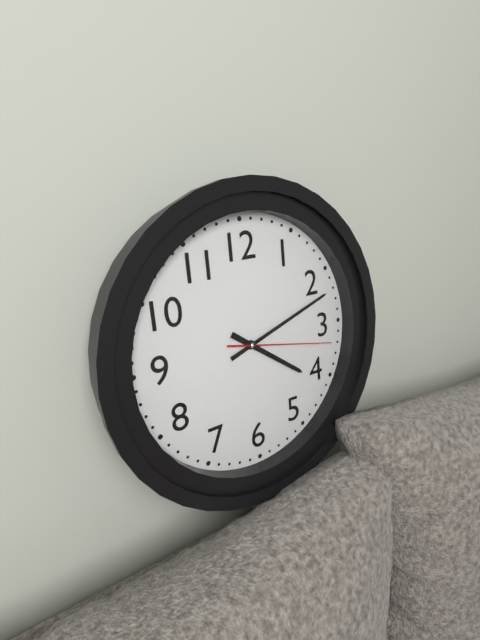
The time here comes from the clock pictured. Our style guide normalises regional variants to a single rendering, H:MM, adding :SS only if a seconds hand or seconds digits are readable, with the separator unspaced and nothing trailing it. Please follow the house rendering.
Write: 4:12:17
